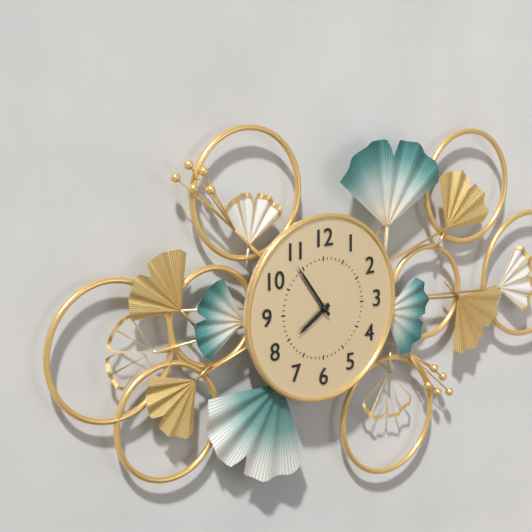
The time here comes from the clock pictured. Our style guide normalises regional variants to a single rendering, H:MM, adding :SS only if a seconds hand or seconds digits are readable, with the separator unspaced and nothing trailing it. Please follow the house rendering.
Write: 7:54
